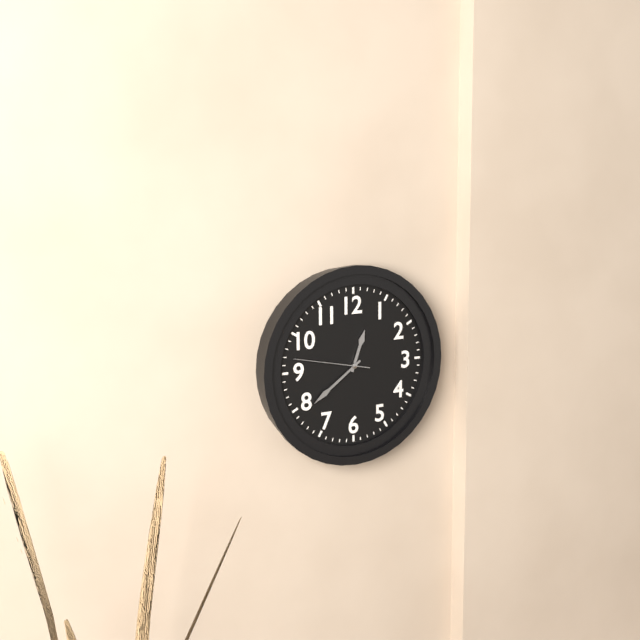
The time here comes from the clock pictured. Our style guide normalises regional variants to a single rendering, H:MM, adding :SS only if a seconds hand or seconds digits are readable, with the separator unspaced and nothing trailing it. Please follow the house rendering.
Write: 12:39:47
